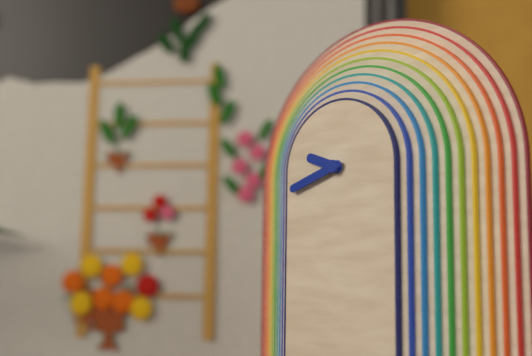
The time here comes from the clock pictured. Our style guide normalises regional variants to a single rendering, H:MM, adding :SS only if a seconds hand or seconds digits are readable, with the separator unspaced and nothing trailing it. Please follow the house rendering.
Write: 9:42
